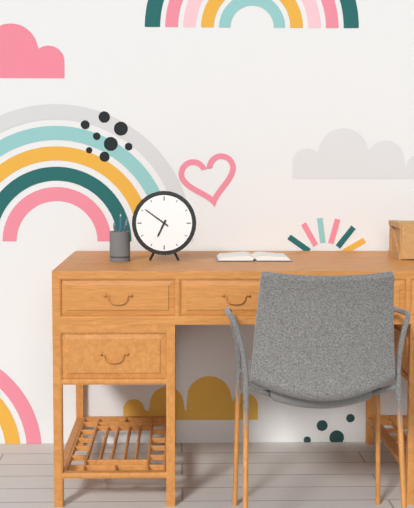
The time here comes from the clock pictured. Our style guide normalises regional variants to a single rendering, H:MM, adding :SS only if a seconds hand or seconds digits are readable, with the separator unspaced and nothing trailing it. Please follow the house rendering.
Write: 6:51
